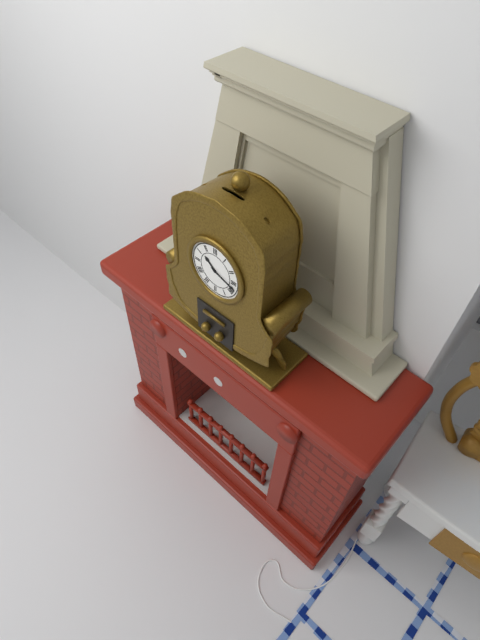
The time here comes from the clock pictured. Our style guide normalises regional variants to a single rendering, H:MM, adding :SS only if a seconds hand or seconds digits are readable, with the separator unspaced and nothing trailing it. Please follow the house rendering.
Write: 10:18
